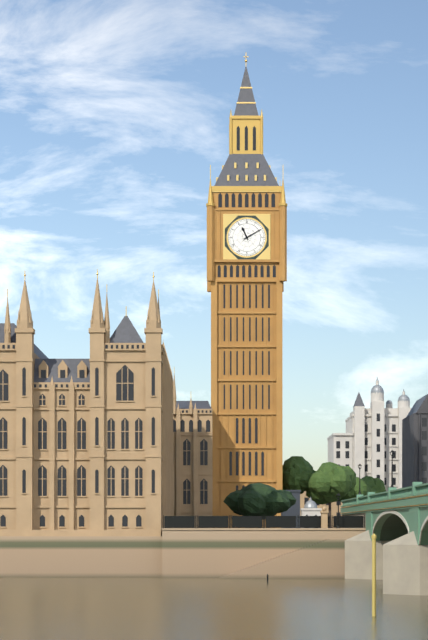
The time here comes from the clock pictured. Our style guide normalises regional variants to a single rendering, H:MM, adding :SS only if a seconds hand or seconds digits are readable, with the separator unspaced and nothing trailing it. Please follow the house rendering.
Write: 11:10
